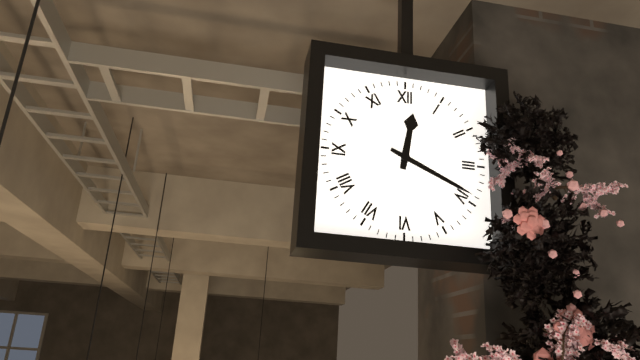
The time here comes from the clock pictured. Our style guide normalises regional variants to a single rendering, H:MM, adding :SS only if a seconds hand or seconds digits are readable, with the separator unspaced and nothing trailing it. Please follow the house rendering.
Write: 12:19
